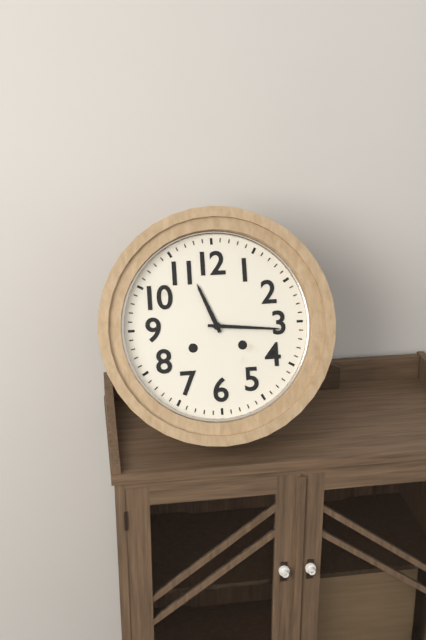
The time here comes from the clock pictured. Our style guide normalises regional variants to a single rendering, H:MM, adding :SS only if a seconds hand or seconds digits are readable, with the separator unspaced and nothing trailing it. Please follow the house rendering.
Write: 11:16
